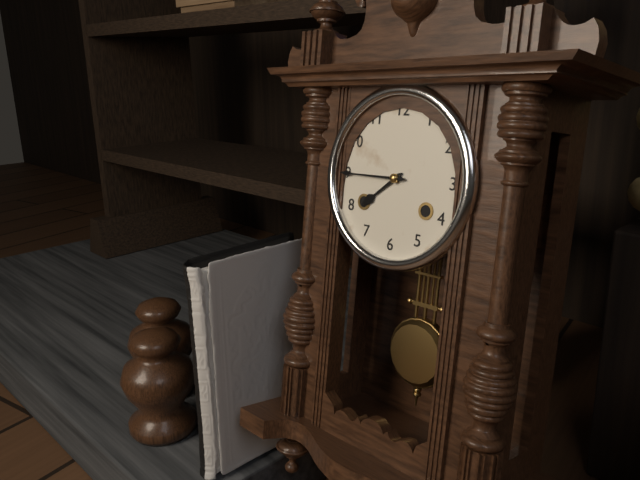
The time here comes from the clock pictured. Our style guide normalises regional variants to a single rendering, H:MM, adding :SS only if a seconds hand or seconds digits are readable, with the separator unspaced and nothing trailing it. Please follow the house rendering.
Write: 7:45
